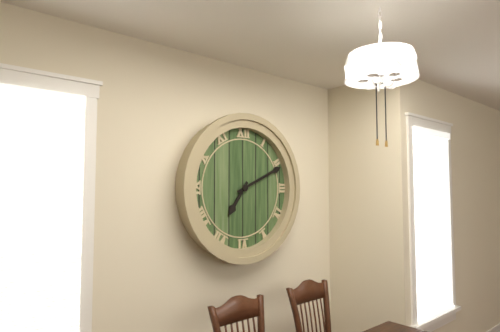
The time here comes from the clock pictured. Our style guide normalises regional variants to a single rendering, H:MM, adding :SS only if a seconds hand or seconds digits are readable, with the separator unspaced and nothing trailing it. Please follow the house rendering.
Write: 7:11
